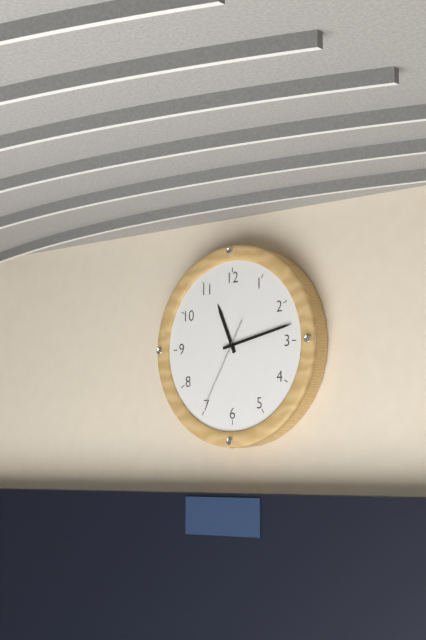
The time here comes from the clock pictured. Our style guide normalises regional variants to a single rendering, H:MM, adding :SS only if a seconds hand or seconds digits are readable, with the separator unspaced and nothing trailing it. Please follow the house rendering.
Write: 11:13:35
